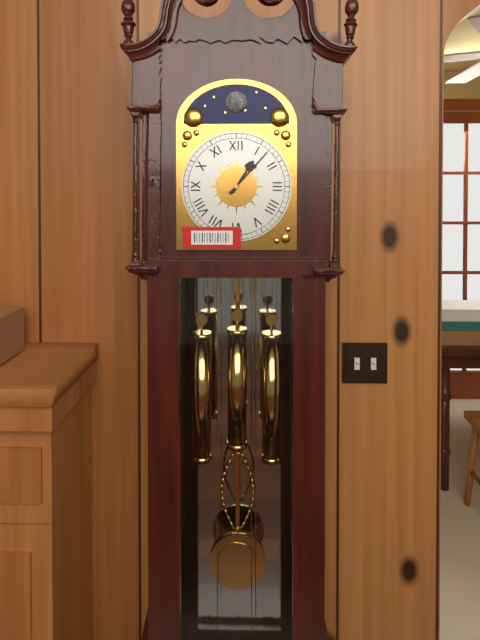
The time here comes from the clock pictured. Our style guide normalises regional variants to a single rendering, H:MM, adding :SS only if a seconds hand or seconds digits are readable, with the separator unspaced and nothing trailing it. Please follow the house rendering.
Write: 1:07
